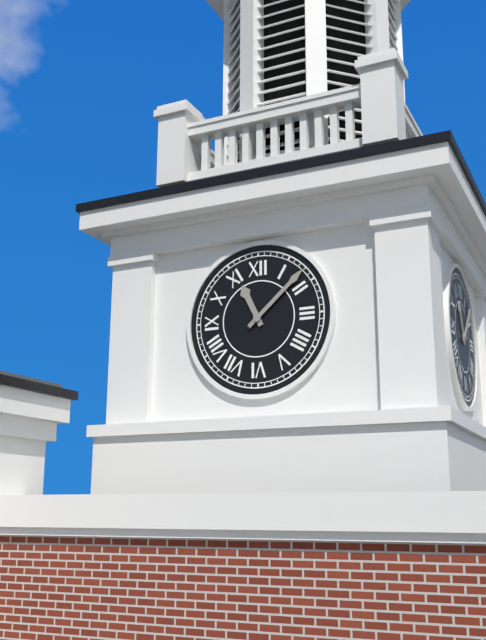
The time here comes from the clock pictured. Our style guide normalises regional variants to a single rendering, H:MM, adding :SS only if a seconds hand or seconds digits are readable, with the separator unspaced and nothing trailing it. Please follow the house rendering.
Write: 11:08
